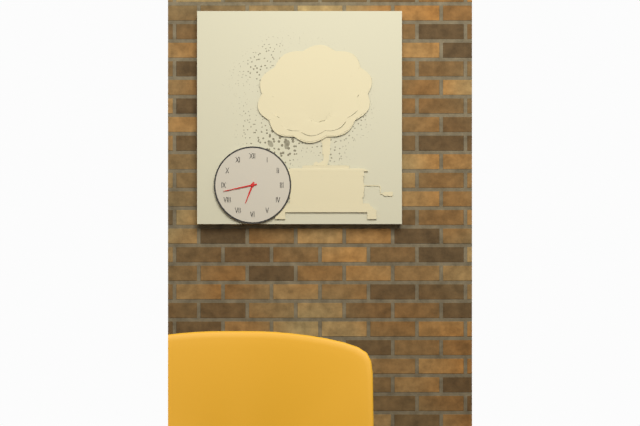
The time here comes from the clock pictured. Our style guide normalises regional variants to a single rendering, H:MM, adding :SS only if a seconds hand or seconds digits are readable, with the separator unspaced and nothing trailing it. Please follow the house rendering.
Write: 6:43
